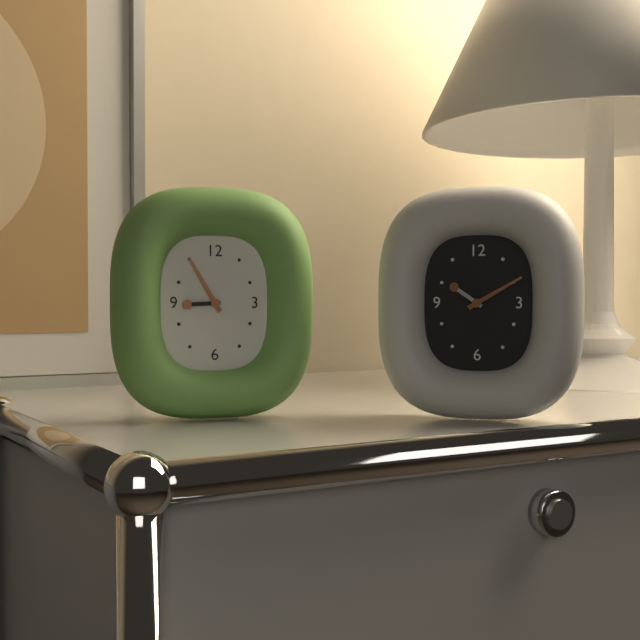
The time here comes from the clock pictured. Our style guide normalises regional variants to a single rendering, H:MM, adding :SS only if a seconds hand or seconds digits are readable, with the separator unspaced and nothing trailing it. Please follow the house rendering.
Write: 8:55
